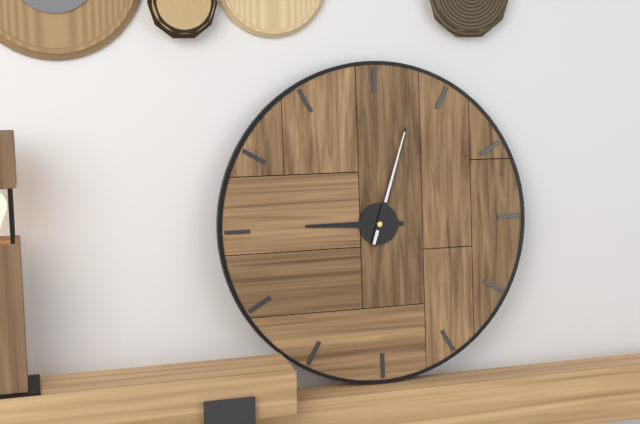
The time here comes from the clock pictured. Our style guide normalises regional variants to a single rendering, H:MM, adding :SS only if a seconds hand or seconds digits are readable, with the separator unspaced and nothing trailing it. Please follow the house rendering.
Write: 9:03
